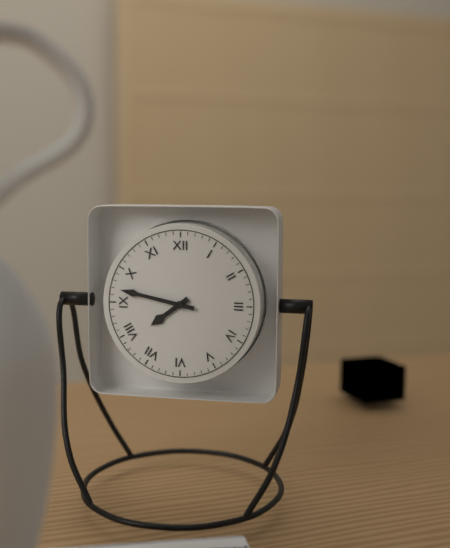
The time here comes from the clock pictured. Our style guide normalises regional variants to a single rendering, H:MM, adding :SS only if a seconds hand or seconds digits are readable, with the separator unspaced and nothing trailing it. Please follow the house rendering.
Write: 7:47
